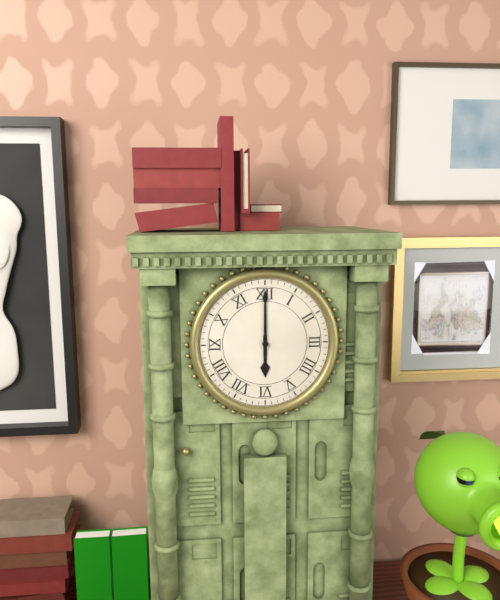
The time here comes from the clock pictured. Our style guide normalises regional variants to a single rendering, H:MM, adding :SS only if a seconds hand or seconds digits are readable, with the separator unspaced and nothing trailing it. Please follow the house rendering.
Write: 6:00
